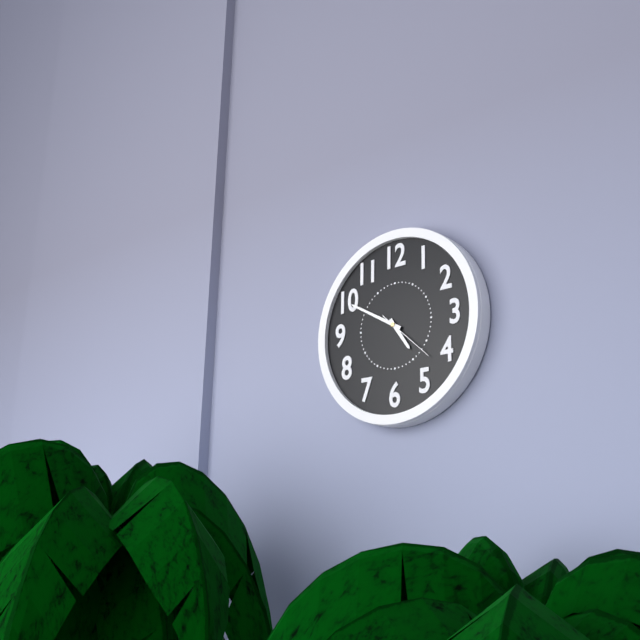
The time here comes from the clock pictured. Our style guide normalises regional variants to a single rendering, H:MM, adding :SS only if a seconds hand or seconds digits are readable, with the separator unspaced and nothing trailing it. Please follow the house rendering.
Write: 4:50:22
